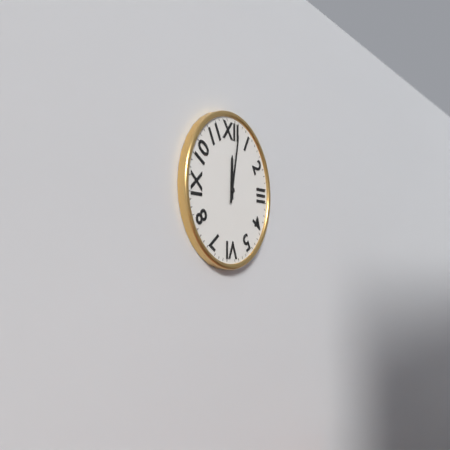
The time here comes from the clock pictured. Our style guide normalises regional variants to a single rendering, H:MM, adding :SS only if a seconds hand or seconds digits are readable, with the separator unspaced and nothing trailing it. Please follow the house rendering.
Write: 12:02
